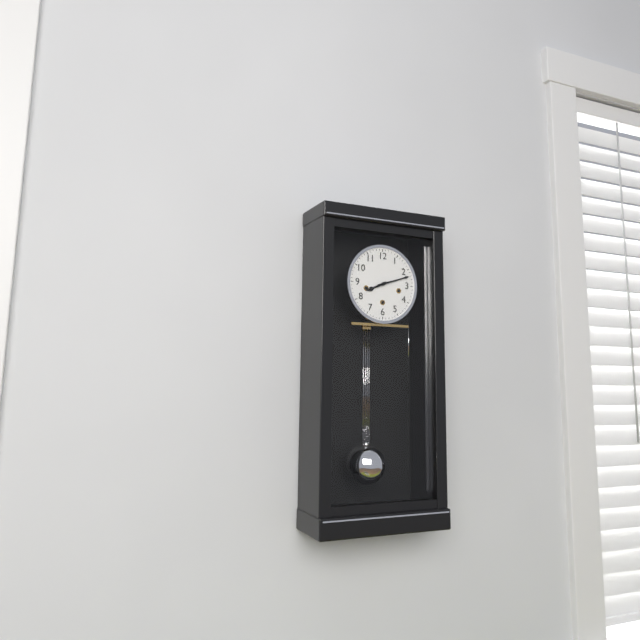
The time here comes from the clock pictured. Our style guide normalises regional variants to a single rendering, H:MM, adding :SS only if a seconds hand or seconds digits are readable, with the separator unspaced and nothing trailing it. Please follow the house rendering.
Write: 8:12
